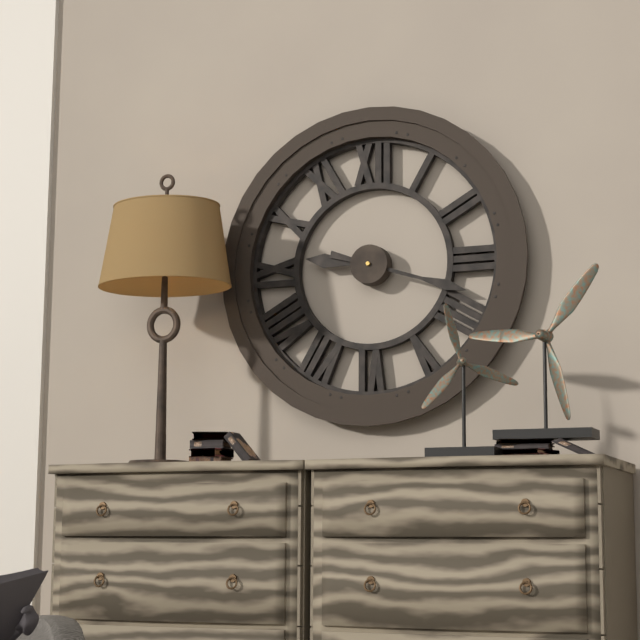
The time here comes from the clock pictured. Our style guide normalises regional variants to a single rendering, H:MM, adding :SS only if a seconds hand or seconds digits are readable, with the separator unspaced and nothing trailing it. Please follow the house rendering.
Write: 9:18
